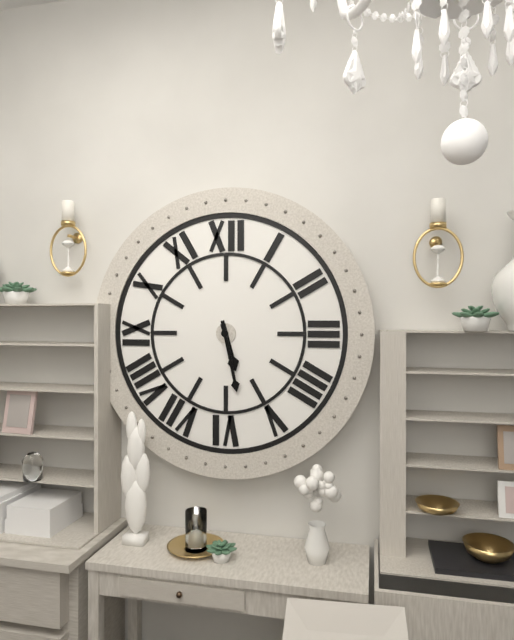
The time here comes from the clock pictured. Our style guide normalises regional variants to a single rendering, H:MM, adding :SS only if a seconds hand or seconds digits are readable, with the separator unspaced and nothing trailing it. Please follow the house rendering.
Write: 5:28
